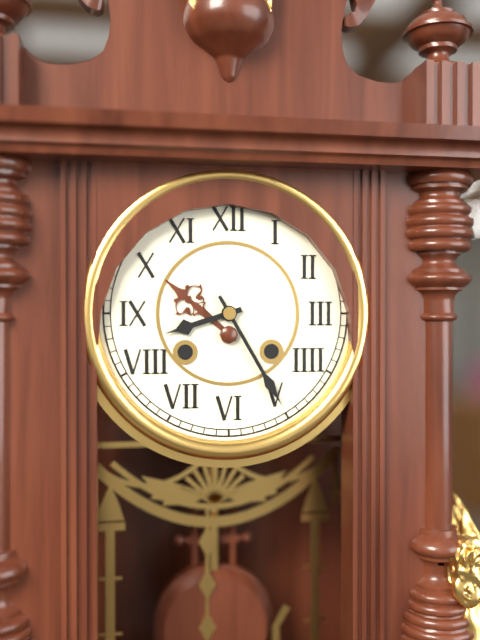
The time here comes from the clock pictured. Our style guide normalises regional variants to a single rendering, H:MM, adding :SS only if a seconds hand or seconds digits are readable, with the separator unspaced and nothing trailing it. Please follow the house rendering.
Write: 8:25
